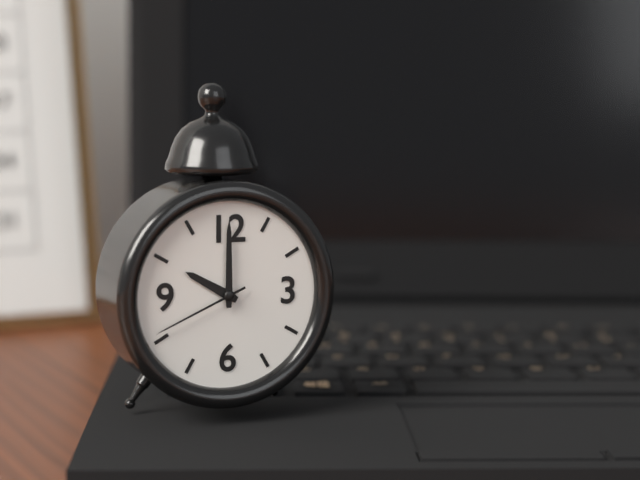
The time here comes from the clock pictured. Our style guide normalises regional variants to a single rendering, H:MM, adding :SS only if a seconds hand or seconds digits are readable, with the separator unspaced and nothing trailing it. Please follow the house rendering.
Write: 10:00:41
